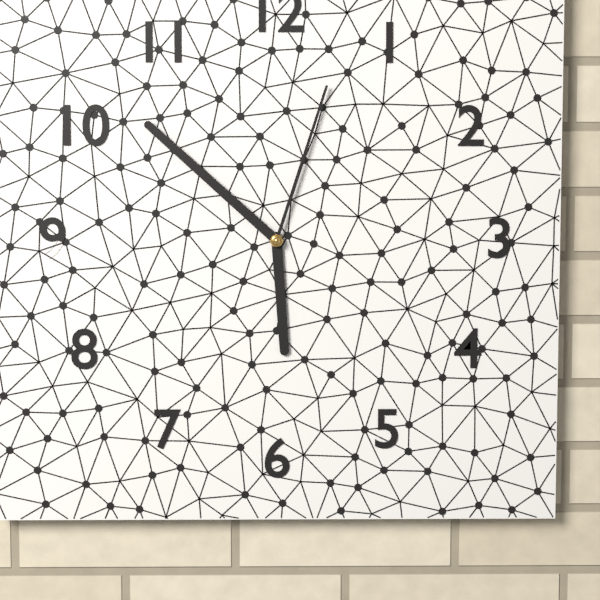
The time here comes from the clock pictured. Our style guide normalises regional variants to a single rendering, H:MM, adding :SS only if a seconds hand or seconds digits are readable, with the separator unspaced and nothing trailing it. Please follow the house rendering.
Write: 5:52:03
